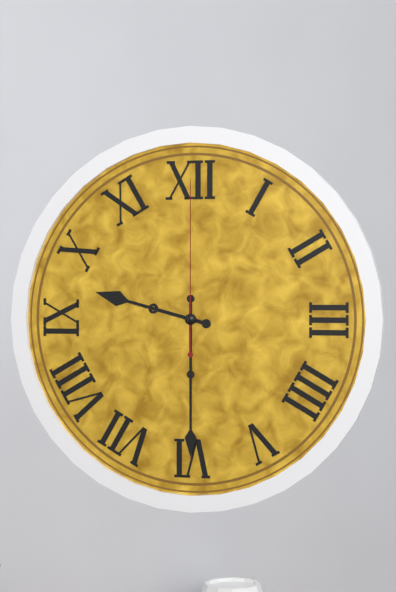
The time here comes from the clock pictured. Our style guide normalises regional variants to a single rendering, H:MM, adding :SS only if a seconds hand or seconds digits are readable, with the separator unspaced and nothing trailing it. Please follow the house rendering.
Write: 9:30:00
